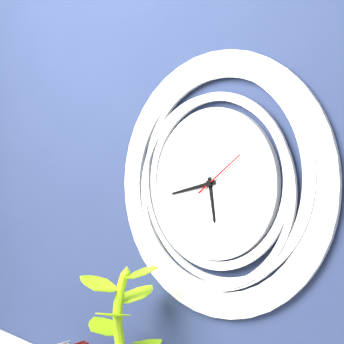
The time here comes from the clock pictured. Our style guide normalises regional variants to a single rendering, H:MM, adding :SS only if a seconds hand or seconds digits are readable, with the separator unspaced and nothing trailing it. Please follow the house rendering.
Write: 5:43:09
